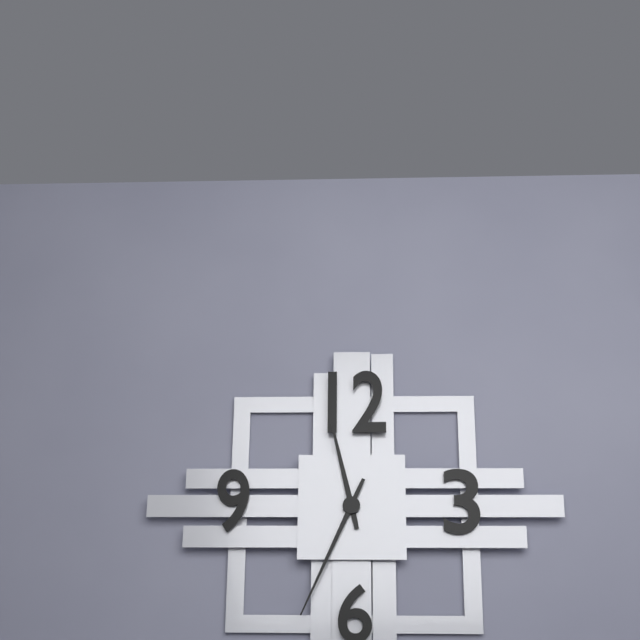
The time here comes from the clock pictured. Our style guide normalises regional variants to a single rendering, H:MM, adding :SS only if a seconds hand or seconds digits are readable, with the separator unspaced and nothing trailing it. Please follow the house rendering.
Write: 11:34
